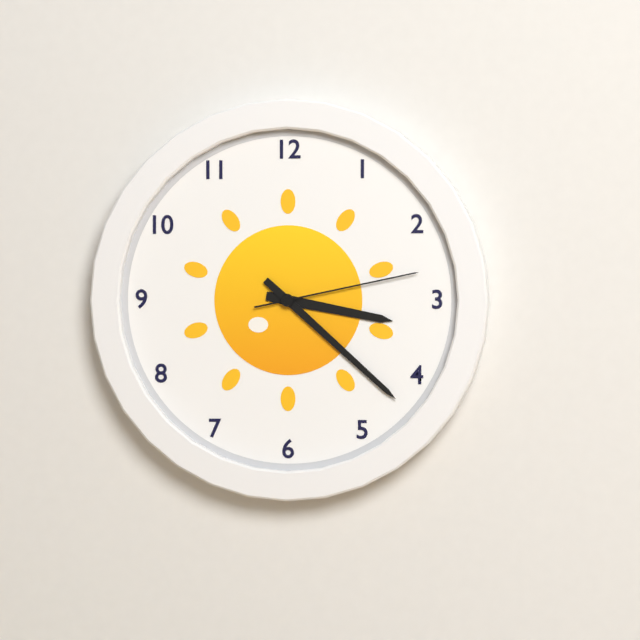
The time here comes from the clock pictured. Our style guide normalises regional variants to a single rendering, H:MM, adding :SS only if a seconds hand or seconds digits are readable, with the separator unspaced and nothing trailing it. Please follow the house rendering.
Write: 3:22:13
